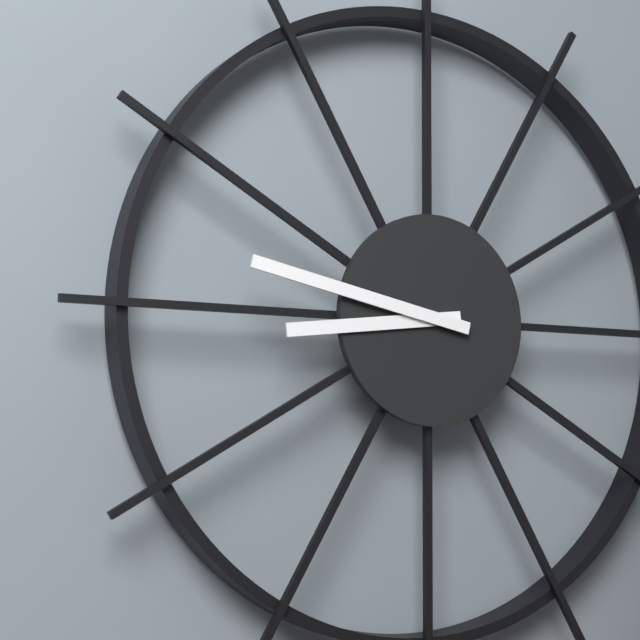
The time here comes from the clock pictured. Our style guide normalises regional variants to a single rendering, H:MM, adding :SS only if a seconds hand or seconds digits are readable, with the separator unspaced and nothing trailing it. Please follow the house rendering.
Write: 8:47
